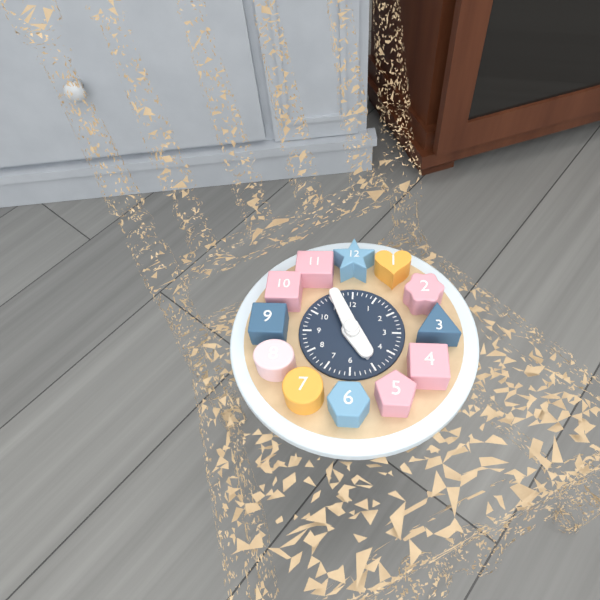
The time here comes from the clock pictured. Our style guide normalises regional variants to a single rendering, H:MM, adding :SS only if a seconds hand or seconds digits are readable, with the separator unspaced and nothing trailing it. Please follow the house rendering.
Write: 4:56
